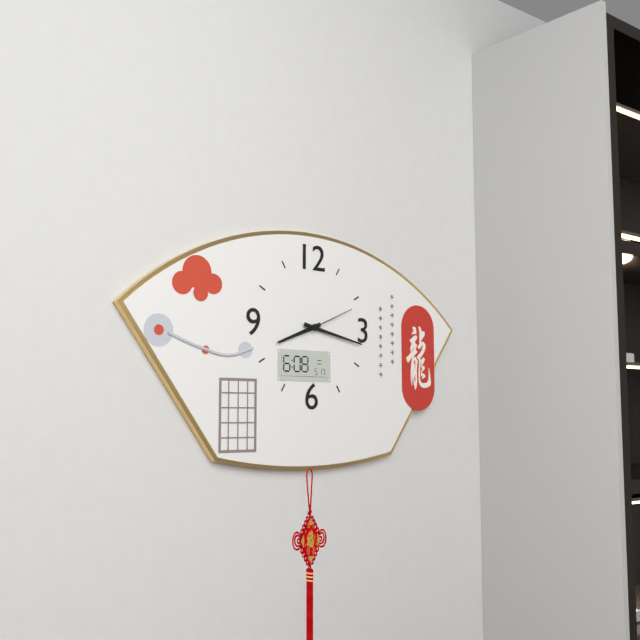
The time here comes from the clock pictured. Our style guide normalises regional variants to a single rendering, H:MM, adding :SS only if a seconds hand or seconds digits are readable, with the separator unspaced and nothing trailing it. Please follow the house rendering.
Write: 8:17:11
